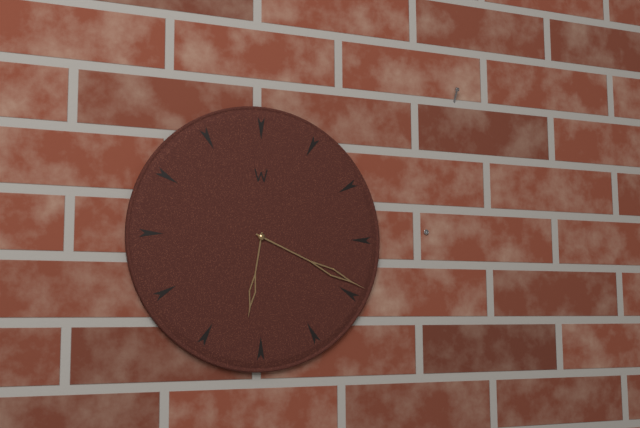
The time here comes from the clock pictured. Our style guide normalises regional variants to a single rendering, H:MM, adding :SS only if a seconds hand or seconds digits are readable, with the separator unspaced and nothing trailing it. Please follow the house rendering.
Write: 6:19
